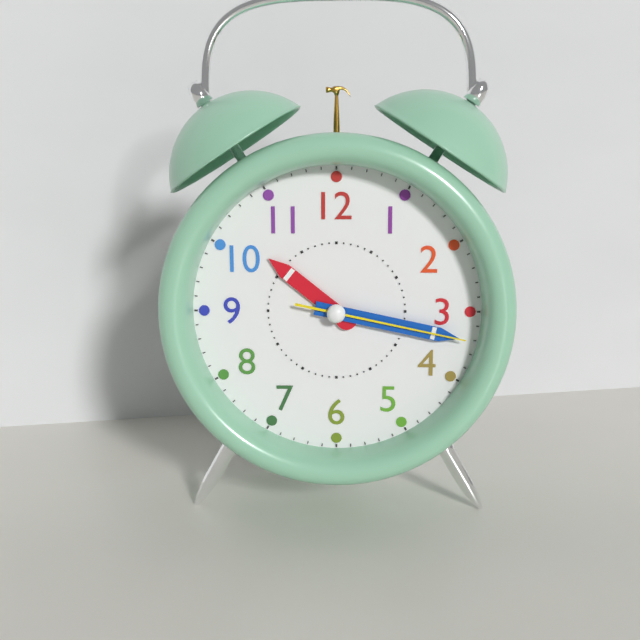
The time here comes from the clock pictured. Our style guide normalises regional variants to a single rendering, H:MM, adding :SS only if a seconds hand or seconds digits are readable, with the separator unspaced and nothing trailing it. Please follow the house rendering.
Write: 10:17:17
